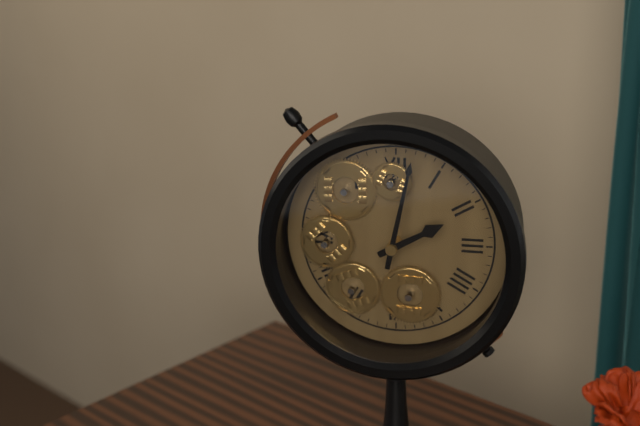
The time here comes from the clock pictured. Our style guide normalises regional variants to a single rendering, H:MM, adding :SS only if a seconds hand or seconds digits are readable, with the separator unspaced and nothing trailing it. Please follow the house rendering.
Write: 2:02
